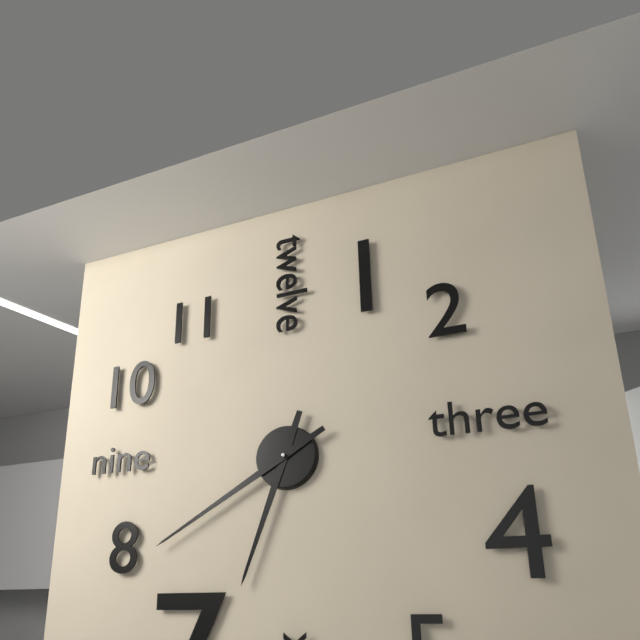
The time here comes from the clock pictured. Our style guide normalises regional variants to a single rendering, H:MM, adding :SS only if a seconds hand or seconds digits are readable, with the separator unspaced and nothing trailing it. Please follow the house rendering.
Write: 6:40
